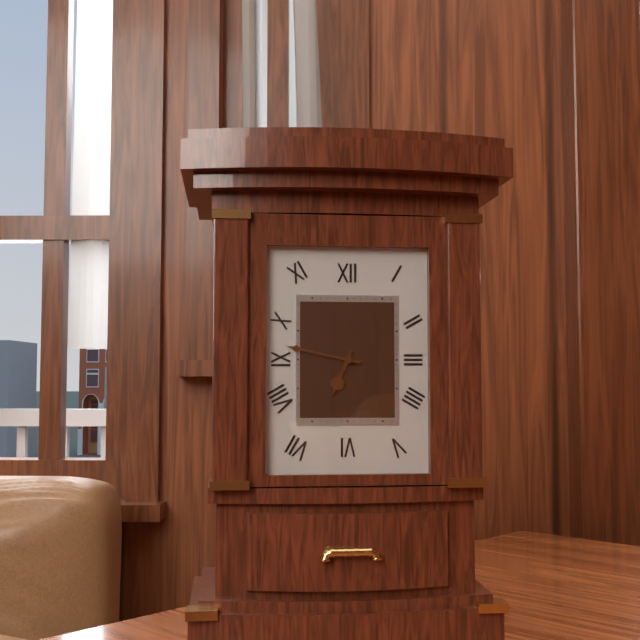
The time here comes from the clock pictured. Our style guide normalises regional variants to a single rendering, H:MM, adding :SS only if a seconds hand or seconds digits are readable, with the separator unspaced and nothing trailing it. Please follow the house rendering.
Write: 6:47
